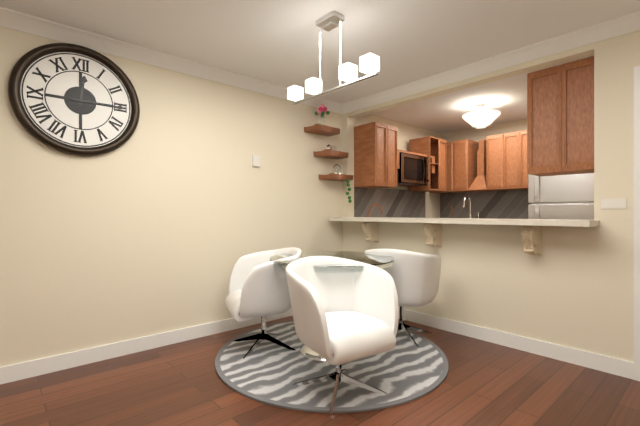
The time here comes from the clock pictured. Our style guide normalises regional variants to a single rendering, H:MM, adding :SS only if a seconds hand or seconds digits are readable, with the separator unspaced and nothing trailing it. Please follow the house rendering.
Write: 12:15
